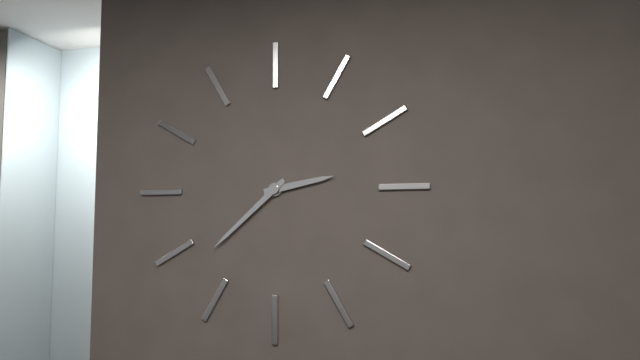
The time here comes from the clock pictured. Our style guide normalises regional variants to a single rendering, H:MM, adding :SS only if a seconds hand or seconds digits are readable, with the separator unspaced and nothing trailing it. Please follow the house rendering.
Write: 2:38
